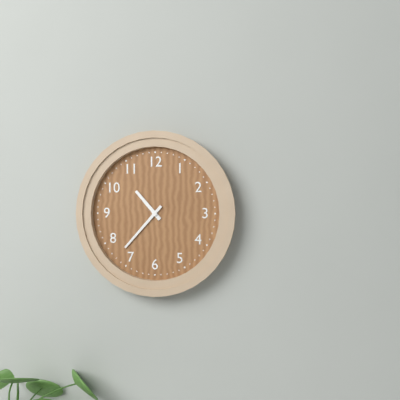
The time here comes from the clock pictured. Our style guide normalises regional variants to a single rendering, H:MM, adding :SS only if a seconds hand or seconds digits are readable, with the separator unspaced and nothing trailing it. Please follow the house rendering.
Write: 10:37
